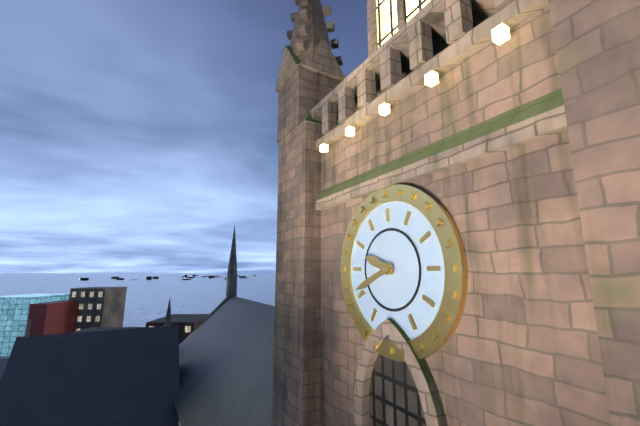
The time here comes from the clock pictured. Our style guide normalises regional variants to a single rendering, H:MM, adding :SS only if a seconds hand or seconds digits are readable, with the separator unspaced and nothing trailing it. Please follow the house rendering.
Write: 9:41
